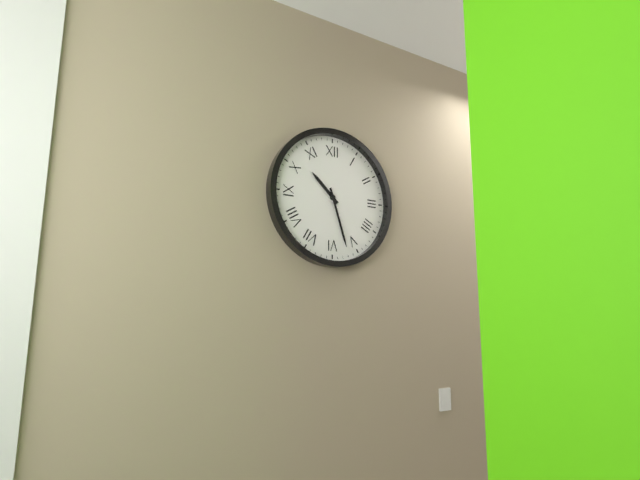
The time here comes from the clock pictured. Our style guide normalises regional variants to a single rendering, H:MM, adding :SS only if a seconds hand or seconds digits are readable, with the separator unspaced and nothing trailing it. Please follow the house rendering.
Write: 10:27
